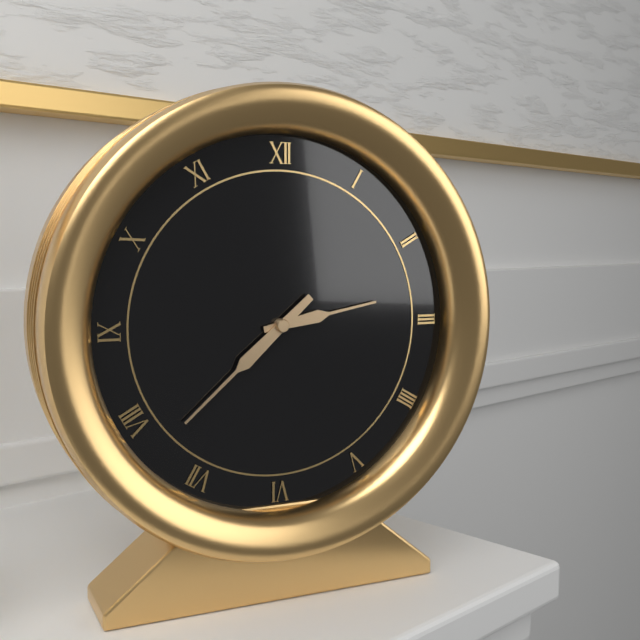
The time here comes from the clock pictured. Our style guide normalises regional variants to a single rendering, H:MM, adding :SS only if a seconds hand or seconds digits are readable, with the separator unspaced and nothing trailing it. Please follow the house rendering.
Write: 2:38
